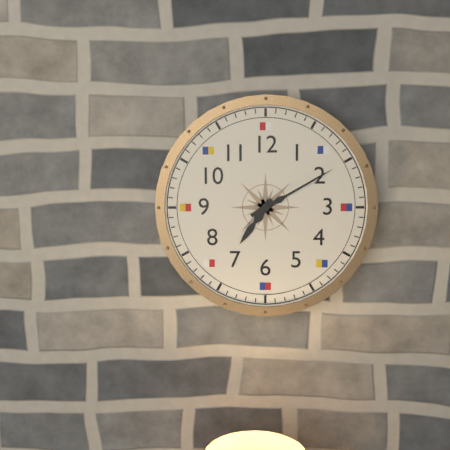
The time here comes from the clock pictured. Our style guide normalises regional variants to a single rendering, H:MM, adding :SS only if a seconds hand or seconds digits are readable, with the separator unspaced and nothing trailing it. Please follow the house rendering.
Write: 7:10
